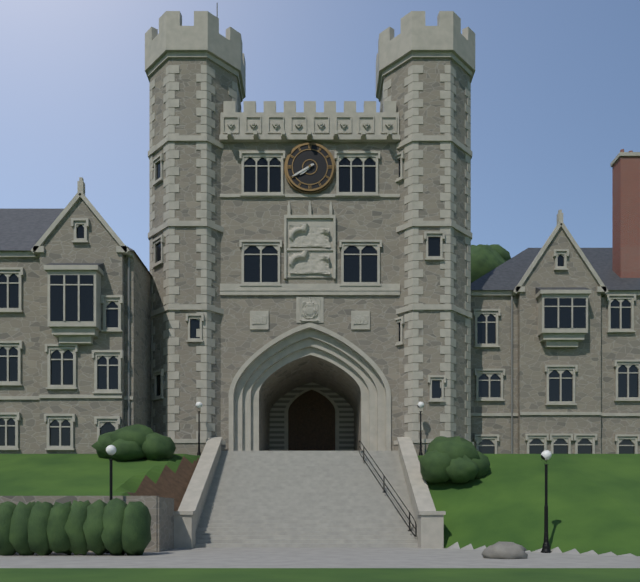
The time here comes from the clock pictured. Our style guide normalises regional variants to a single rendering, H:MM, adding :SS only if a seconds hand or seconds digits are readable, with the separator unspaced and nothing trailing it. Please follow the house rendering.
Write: 7:40
